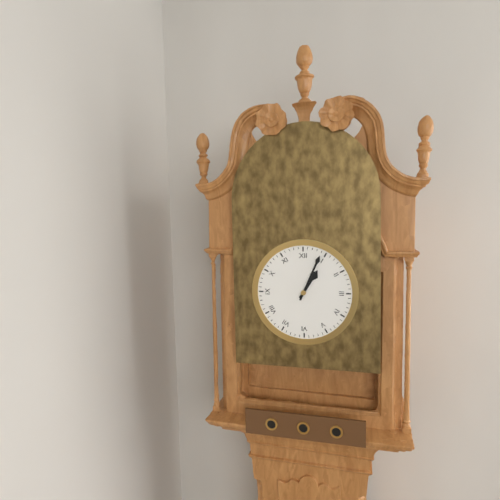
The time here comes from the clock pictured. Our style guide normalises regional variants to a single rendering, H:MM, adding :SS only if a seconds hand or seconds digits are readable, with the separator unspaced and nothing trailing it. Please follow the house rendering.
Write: 1:04
